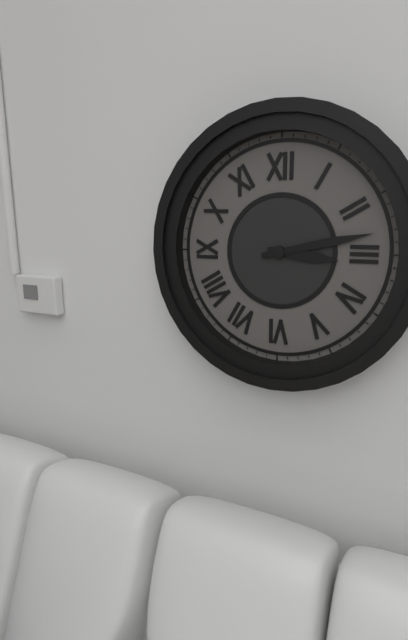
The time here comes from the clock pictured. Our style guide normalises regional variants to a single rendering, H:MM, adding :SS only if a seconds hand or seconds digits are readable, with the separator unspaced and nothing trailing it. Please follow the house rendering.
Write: 3:13
